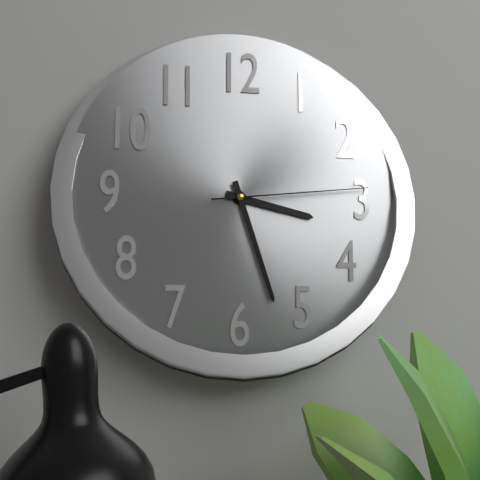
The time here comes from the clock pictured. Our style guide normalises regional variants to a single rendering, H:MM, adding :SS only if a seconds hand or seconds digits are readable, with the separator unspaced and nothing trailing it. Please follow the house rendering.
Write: 3:27:14
